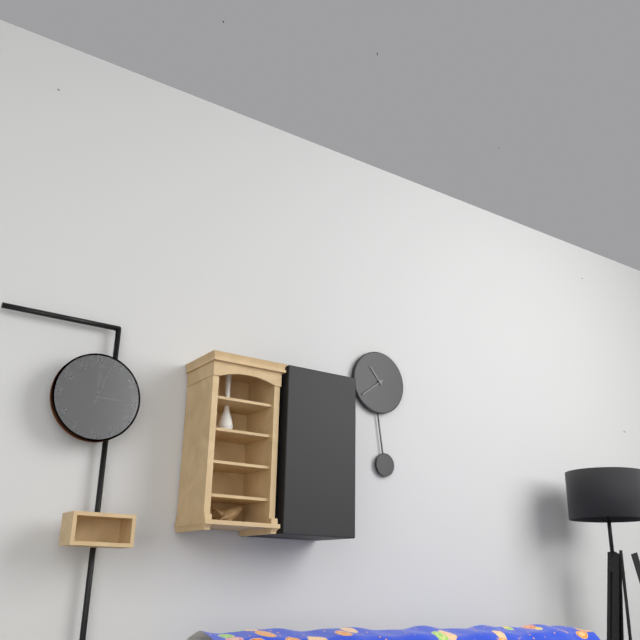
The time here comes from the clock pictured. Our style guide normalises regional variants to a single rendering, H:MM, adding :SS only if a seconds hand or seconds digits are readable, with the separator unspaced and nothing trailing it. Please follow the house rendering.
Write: 10:39
